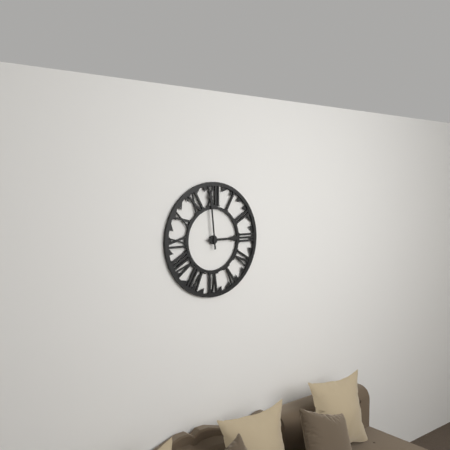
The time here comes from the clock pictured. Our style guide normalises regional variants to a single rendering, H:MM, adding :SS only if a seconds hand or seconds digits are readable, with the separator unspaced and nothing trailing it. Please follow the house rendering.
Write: 2:59
